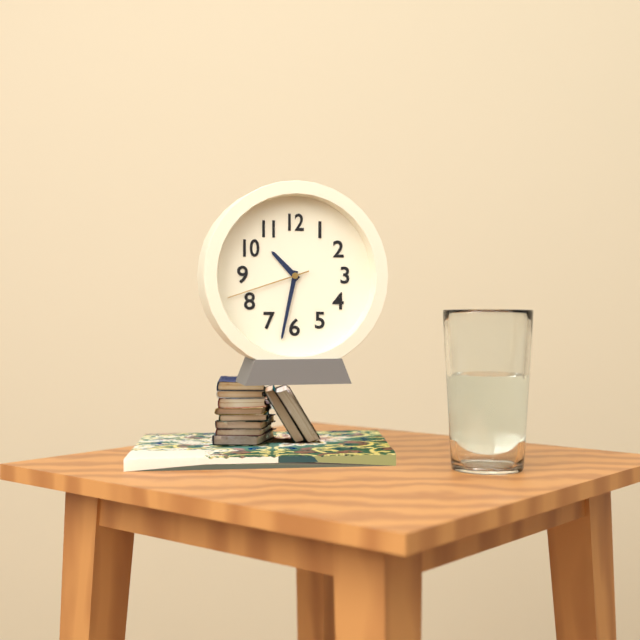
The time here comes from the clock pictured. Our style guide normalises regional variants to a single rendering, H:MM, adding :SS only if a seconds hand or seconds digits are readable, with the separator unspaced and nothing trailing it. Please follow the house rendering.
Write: 10:32:42
